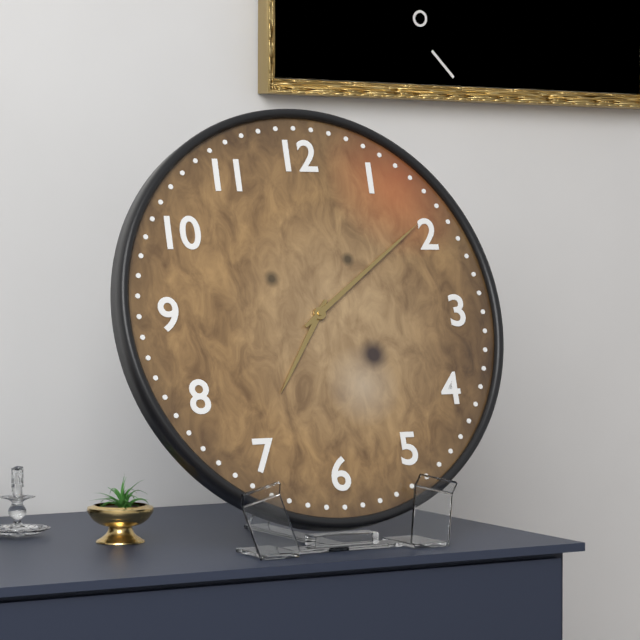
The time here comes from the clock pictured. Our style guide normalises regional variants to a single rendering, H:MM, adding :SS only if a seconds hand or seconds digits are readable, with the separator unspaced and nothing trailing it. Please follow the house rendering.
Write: 7:09
